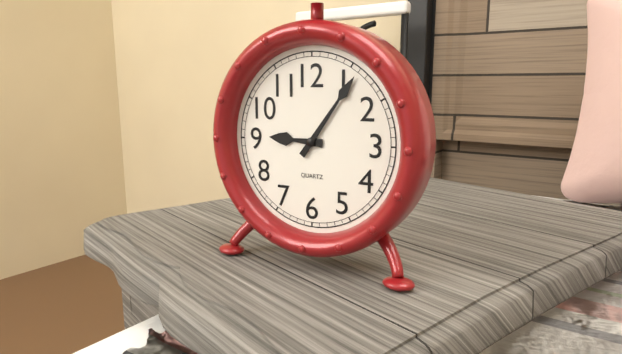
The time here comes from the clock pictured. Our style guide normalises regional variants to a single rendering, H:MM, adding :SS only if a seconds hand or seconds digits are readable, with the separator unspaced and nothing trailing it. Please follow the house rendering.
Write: 9:06
